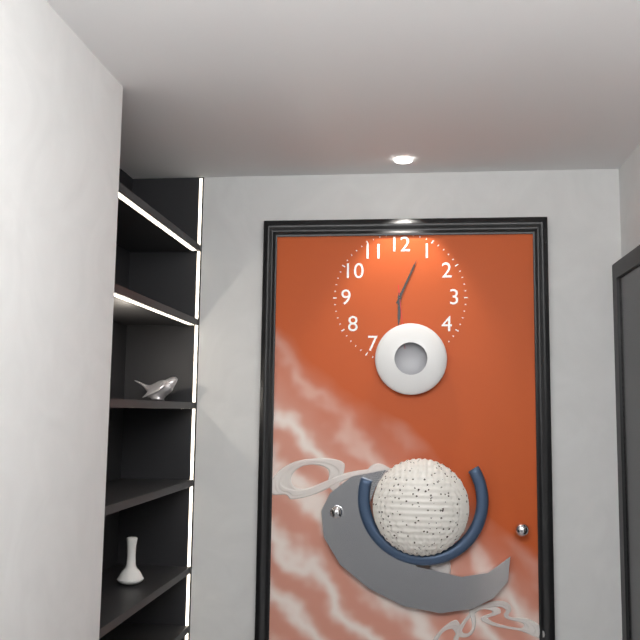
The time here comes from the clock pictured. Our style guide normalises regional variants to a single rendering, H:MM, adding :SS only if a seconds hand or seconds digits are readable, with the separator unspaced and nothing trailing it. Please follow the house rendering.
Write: 6:04
